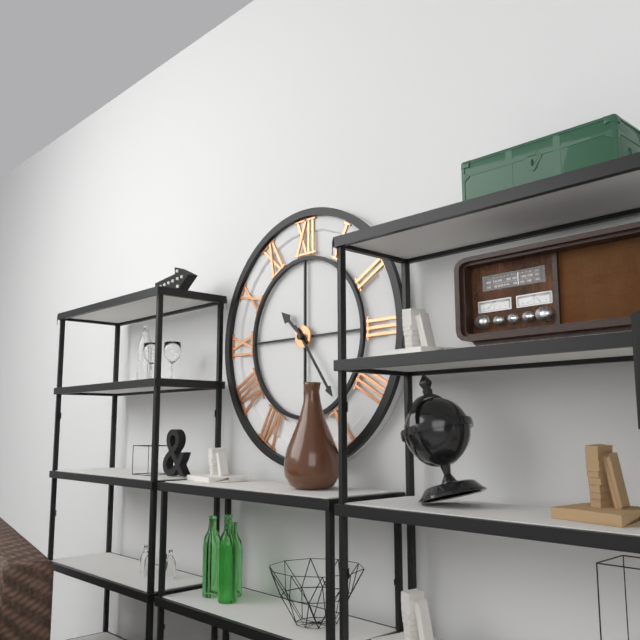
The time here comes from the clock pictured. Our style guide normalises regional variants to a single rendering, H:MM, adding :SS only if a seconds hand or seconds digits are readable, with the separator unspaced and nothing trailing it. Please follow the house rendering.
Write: 10:24
